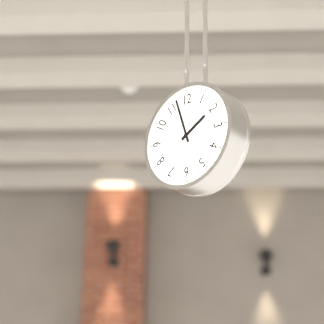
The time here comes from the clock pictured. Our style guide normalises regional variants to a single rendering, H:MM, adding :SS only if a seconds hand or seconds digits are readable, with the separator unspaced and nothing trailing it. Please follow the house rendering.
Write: 1:57
